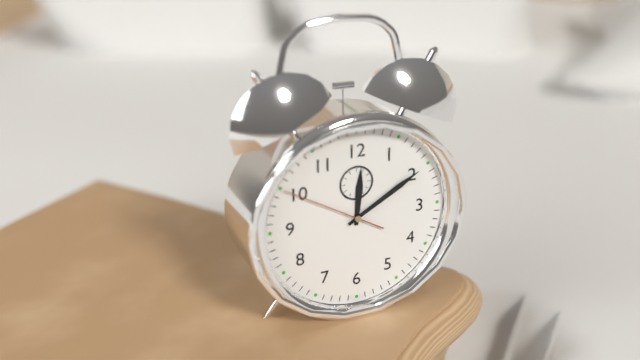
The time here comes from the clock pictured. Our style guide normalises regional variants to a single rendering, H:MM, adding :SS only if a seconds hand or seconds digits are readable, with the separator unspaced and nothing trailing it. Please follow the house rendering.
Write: 12:10:50
